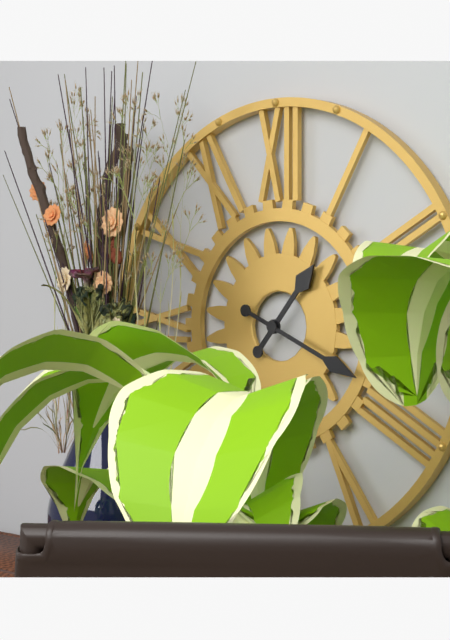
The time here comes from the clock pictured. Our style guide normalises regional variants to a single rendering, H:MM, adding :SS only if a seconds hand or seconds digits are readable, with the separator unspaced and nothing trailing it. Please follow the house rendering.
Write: 1:19
